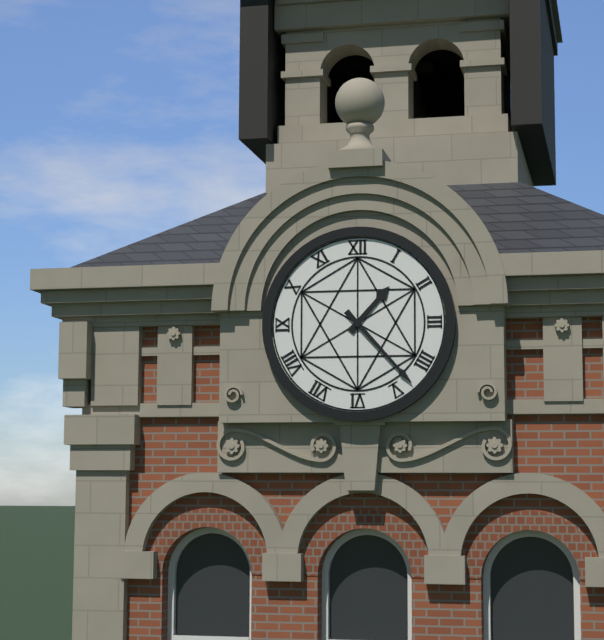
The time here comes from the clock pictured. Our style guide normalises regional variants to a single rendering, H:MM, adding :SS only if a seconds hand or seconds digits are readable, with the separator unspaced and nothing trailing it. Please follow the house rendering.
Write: 1:23
